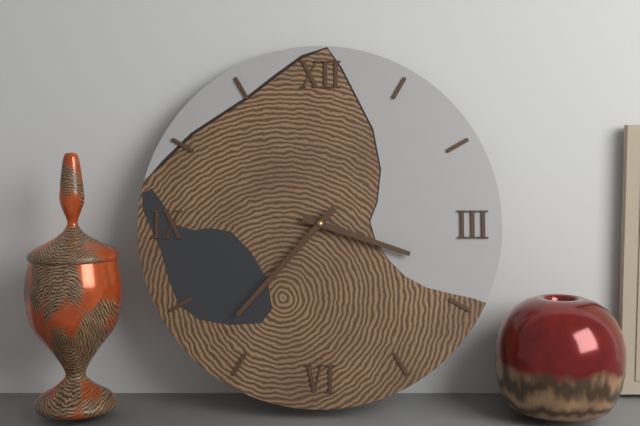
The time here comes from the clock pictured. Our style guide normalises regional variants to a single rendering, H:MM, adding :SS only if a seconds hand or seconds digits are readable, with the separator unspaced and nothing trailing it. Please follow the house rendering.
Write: 3:37
